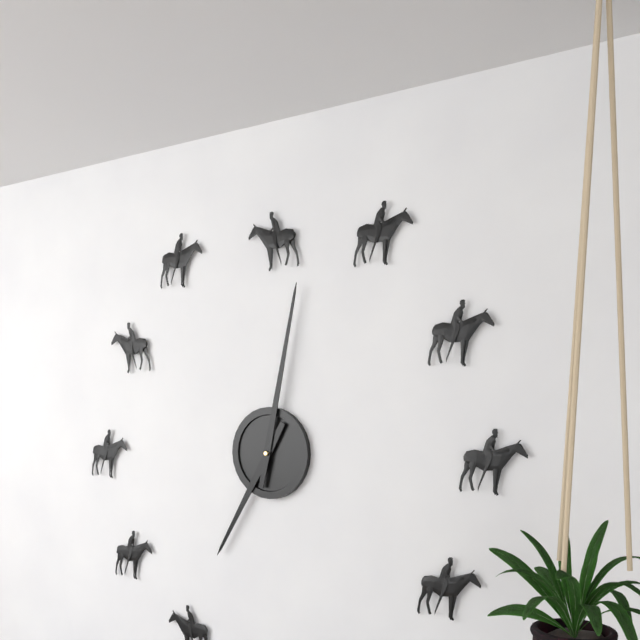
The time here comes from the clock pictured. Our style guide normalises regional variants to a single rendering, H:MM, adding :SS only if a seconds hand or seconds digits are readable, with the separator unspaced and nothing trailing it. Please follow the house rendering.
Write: 7:02
